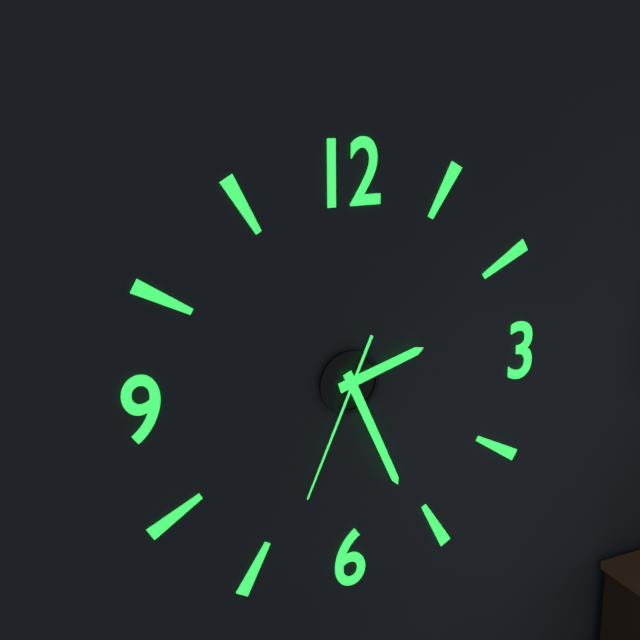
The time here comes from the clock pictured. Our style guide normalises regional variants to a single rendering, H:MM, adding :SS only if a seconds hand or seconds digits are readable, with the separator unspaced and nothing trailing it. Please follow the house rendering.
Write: 2:26:34
